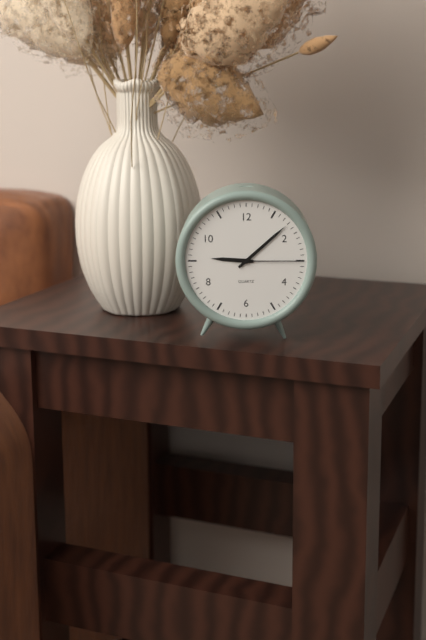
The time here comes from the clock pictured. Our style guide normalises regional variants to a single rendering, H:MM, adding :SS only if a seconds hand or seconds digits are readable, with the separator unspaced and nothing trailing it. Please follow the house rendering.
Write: 9:08:15
